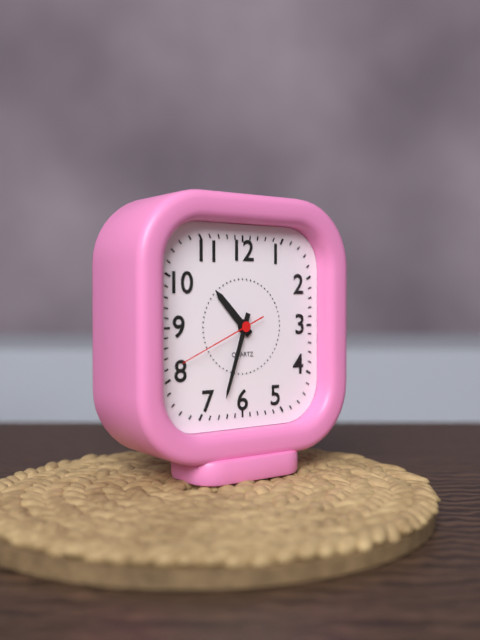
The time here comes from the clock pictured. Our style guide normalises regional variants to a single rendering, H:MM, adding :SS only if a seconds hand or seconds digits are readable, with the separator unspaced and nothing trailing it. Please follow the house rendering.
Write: 10:33:41
